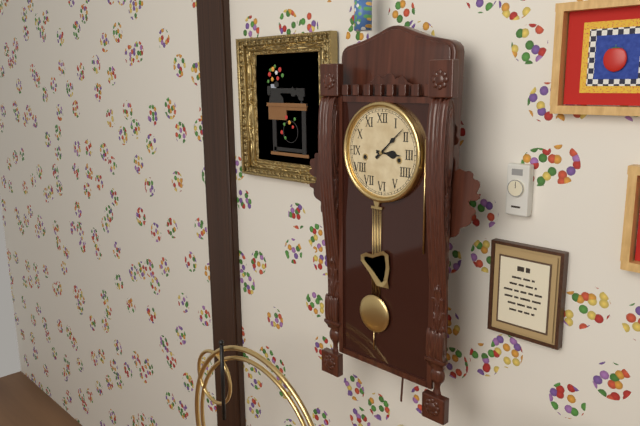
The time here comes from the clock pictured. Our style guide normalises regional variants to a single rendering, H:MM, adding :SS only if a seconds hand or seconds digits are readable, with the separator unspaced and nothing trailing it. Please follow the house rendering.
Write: 3:08
